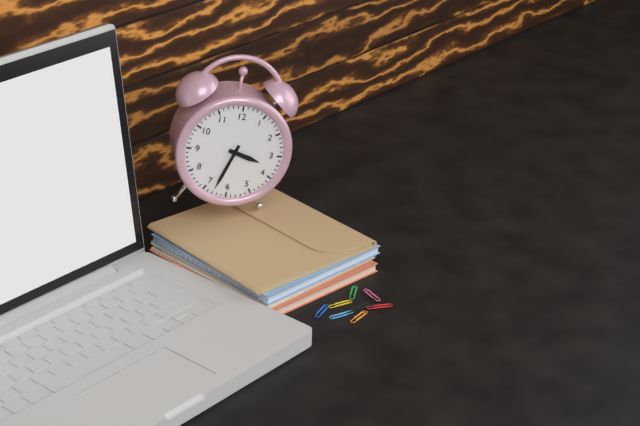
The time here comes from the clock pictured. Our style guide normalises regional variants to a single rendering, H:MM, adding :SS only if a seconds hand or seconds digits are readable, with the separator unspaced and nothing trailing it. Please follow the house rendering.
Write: 3:33
